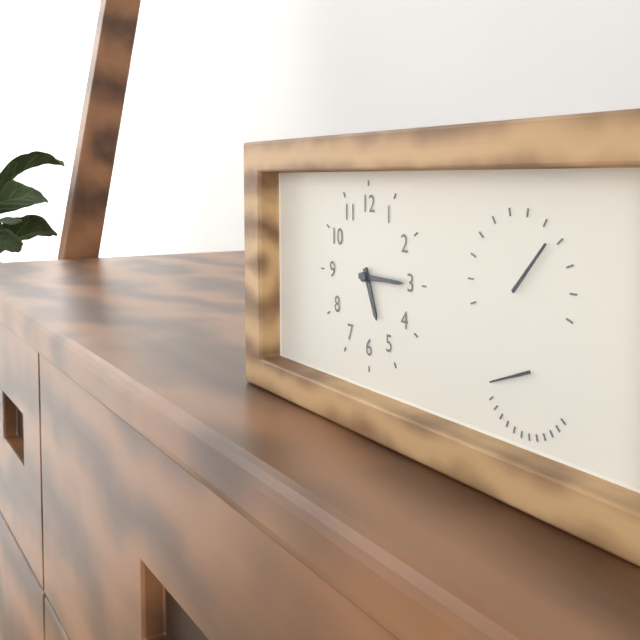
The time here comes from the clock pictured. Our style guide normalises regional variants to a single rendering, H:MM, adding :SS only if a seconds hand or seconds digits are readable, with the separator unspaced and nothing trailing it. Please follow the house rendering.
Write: 5:15
